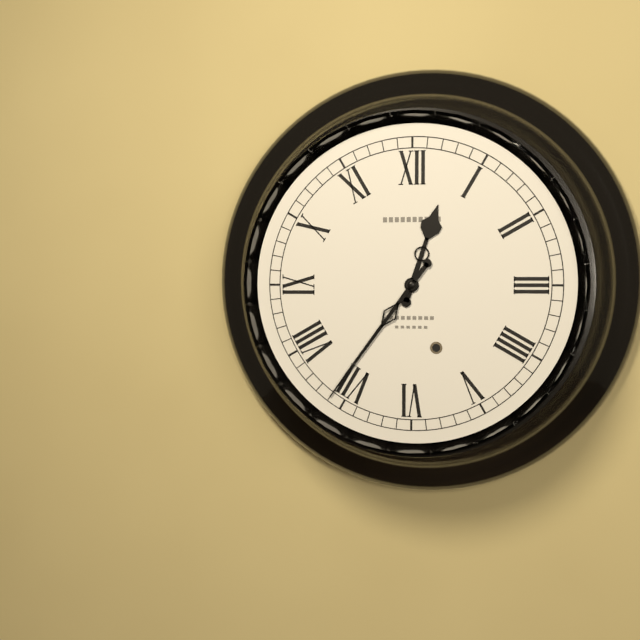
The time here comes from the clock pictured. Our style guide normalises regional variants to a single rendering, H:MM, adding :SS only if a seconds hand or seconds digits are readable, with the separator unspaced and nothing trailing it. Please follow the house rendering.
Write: 12:36
